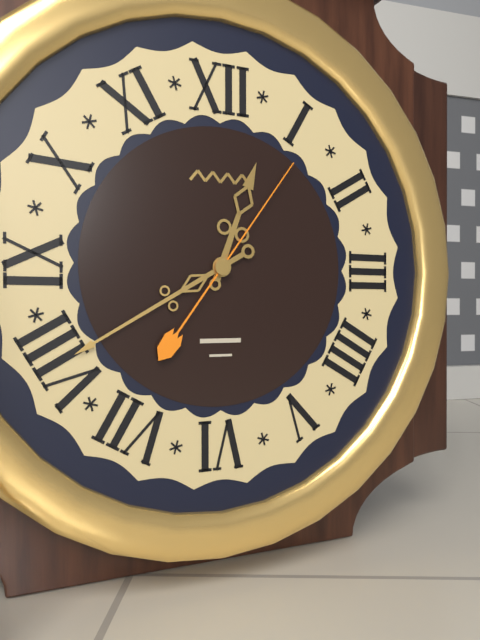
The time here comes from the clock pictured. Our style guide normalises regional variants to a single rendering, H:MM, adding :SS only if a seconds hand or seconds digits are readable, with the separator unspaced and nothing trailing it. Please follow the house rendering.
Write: 12:40:06
